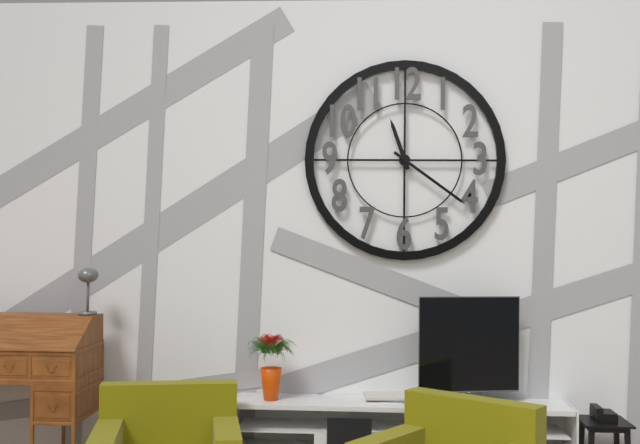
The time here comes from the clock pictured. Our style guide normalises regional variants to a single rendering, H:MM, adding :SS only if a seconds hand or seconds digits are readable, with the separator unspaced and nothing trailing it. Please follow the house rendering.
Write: 11:21
